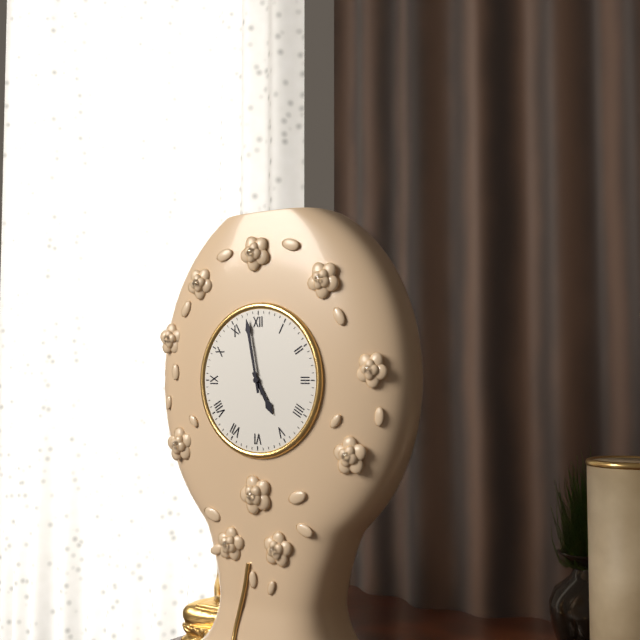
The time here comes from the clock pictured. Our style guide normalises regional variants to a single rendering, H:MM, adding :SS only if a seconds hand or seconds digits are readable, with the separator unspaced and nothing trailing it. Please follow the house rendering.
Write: 4:58
